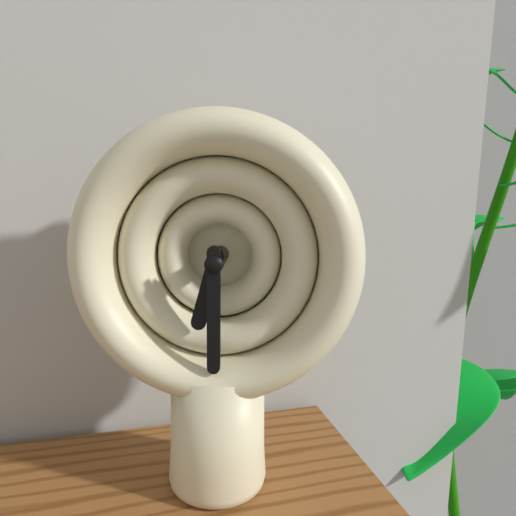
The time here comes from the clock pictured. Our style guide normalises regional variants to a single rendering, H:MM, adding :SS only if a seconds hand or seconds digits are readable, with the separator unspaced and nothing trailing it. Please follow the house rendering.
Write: 6:30
